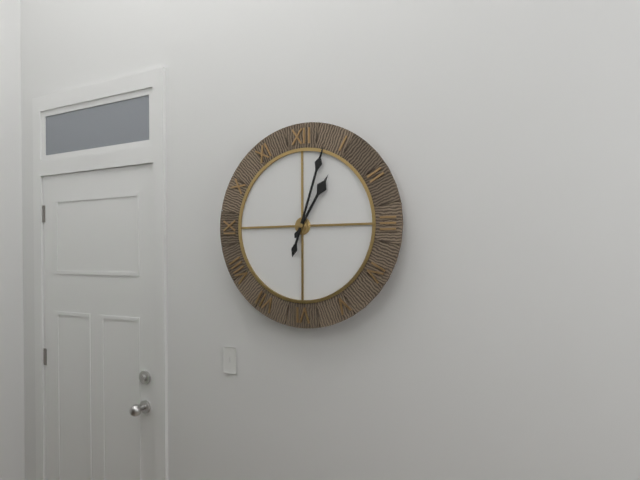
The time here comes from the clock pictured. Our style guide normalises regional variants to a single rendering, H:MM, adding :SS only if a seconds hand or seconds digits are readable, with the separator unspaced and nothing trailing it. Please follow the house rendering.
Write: 1:03
